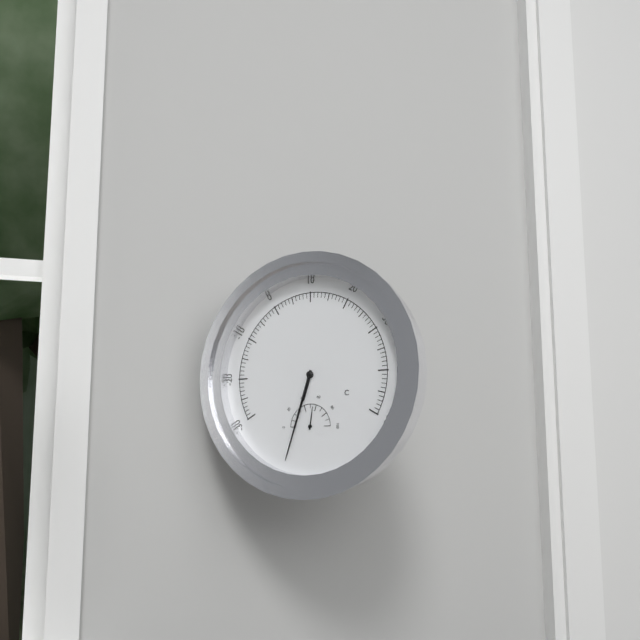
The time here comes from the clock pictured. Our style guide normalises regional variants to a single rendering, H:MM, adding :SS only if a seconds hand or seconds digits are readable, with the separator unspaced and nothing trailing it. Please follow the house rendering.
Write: 6:33
